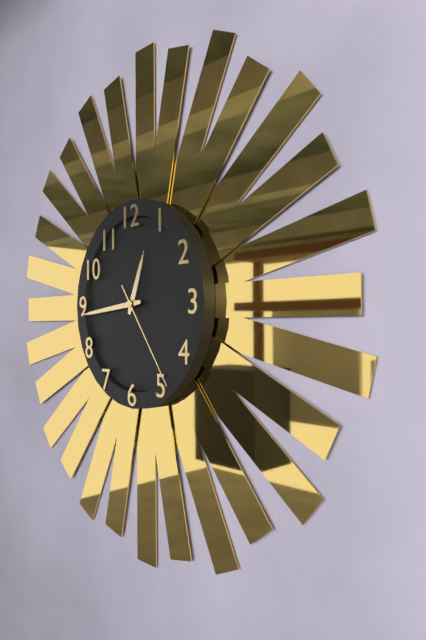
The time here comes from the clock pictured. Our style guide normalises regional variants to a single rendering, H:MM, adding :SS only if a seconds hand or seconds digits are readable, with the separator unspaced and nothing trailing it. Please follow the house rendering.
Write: 12:44:24
